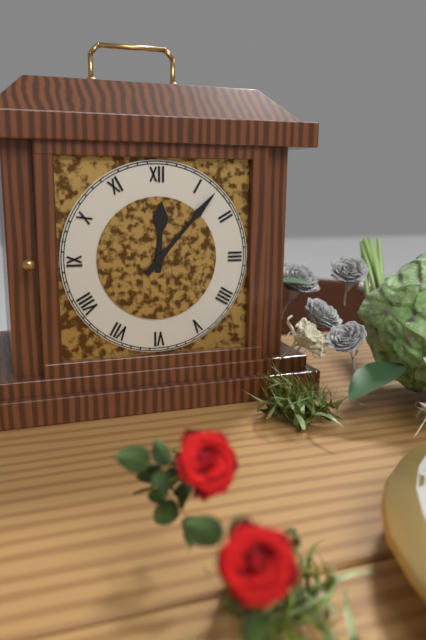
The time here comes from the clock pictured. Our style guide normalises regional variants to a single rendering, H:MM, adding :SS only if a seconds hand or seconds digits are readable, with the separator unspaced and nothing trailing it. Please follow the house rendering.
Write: 12:07
